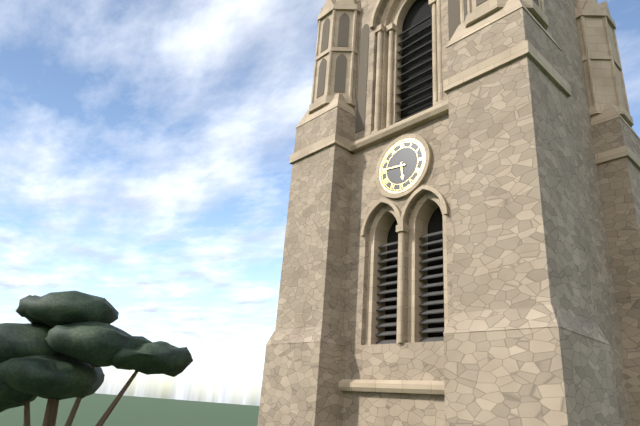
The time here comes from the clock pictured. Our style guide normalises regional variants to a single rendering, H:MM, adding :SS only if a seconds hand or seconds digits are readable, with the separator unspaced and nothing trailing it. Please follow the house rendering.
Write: 5:46
